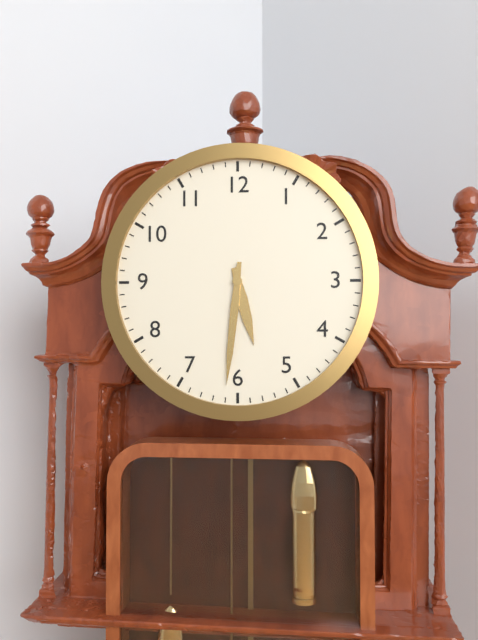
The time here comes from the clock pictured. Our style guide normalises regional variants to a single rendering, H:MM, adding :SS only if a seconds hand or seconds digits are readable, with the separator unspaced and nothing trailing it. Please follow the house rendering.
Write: 5:31
